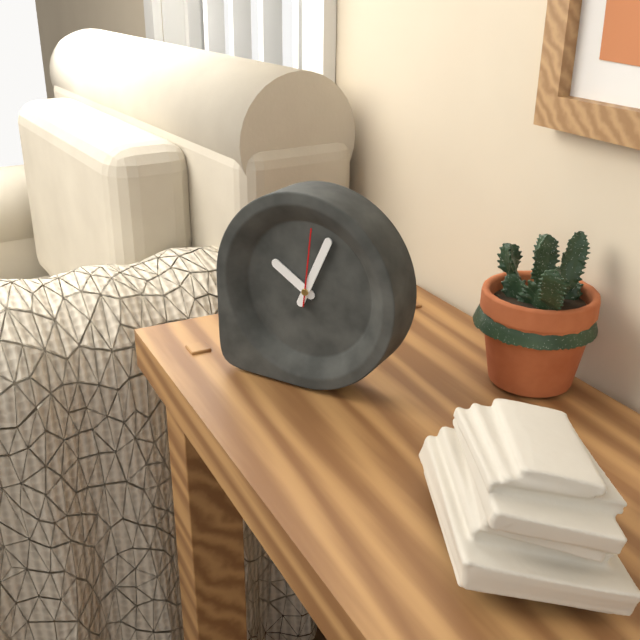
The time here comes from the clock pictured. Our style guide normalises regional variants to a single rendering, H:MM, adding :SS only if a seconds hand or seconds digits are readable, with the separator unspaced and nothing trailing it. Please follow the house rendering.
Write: 10:04:01
